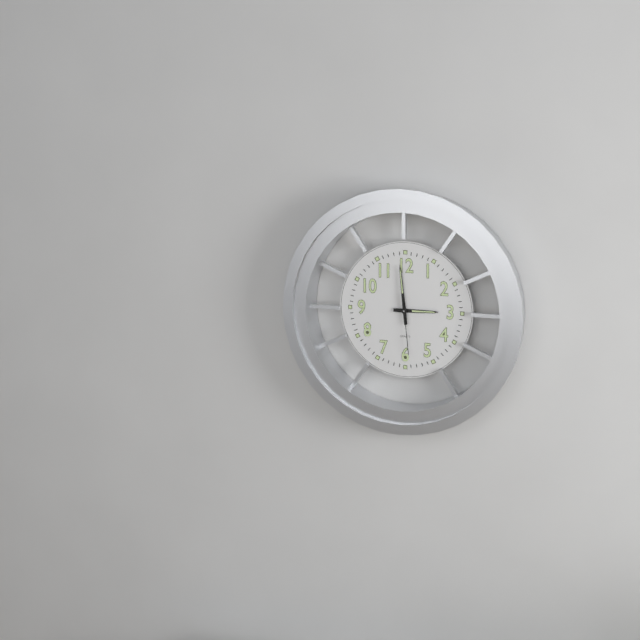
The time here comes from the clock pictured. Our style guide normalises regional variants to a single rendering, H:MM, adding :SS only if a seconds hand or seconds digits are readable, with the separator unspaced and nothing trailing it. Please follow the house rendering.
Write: 2:59:29
